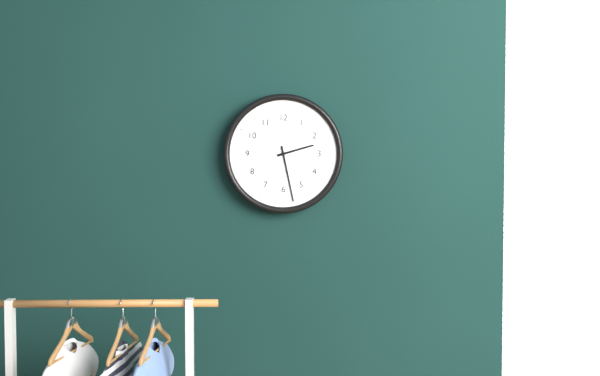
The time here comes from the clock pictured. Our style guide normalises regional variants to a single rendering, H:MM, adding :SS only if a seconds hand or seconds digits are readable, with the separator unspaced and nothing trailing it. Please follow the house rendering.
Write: 2:28
